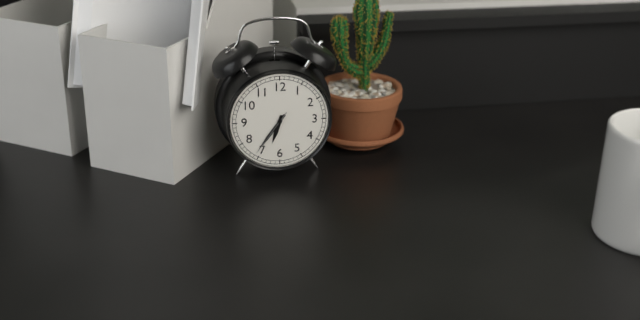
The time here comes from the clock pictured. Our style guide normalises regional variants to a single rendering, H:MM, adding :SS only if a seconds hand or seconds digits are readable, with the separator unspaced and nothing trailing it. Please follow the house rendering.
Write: 6:36
